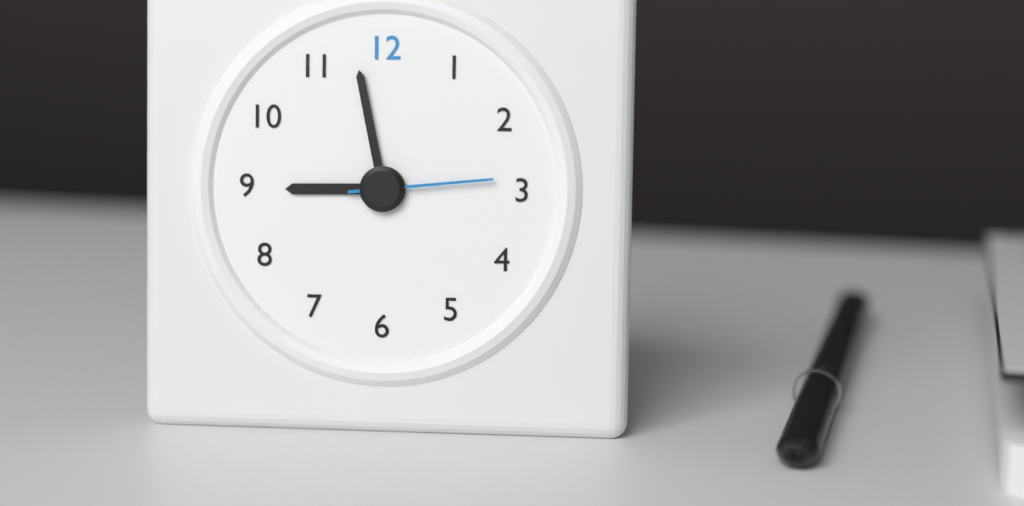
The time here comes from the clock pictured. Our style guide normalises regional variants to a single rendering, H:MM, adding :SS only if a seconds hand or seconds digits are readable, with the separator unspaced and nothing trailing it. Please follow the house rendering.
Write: 8:58:14
